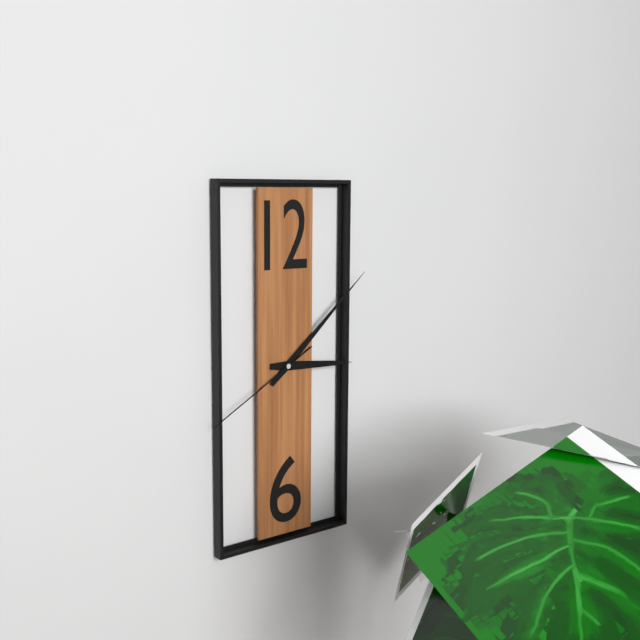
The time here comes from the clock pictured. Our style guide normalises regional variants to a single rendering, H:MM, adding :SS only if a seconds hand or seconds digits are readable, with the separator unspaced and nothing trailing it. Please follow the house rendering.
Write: 3:08:40
